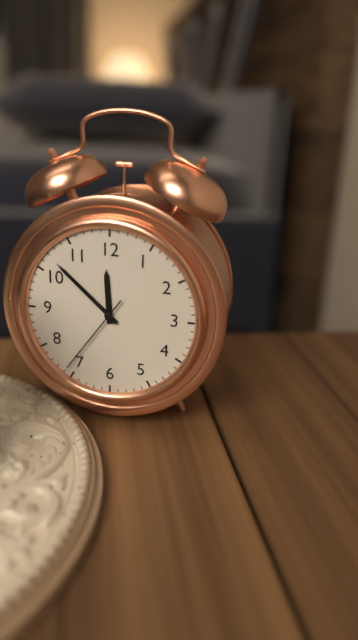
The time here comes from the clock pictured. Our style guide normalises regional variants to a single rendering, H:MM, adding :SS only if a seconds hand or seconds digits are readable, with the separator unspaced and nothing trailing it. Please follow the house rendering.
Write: 11:52:36
